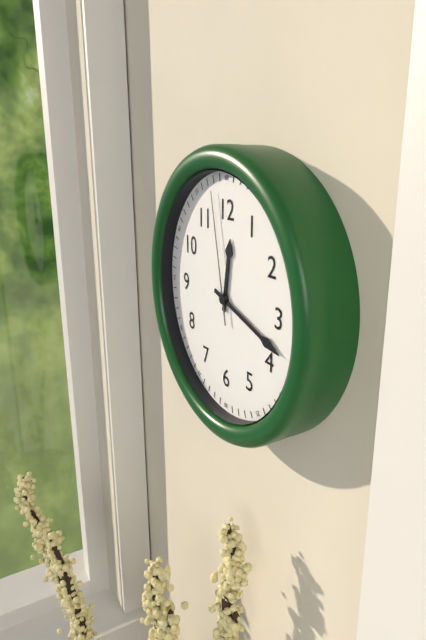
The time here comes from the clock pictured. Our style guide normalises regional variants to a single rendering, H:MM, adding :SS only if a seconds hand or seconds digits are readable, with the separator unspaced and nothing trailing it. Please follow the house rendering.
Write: 12:18:58
